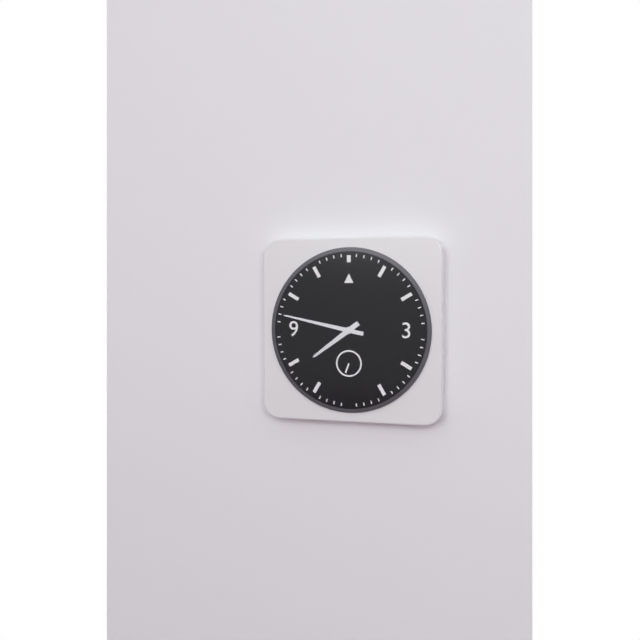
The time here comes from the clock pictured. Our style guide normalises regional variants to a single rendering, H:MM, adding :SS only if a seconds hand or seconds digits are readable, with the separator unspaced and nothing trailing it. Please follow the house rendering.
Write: 7:47
